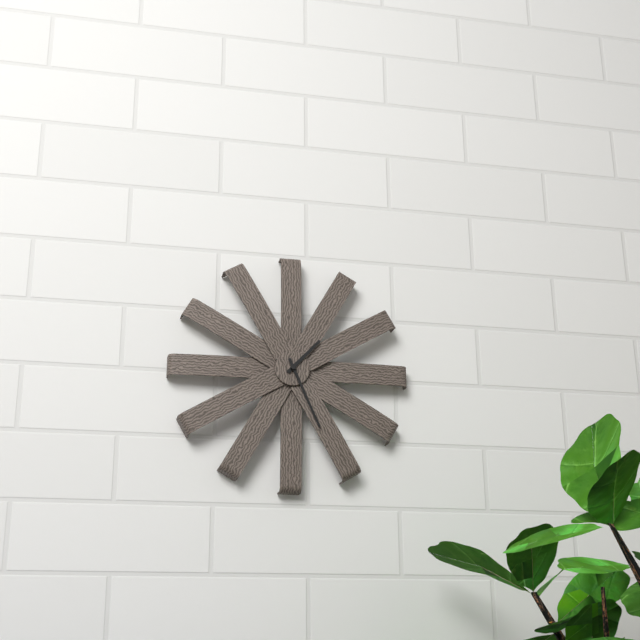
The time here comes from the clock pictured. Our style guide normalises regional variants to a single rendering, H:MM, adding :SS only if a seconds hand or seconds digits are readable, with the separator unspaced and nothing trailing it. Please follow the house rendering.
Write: 1:26
